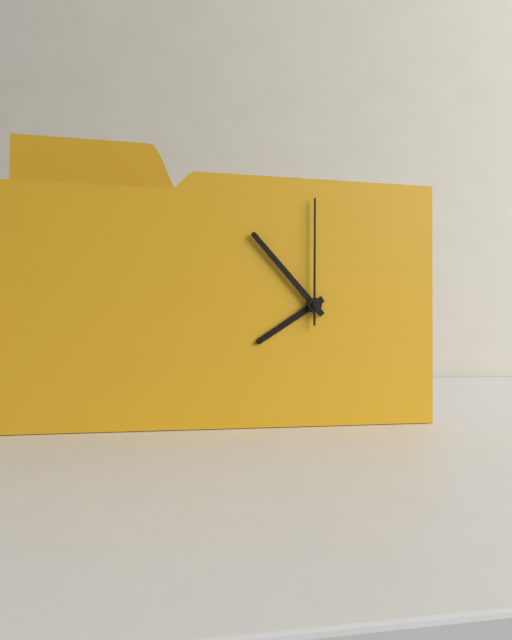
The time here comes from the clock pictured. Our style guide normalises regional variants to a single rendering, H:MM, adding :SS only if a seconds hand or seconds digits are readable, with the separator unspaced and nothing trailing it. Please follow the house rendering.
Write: 7:53:00
